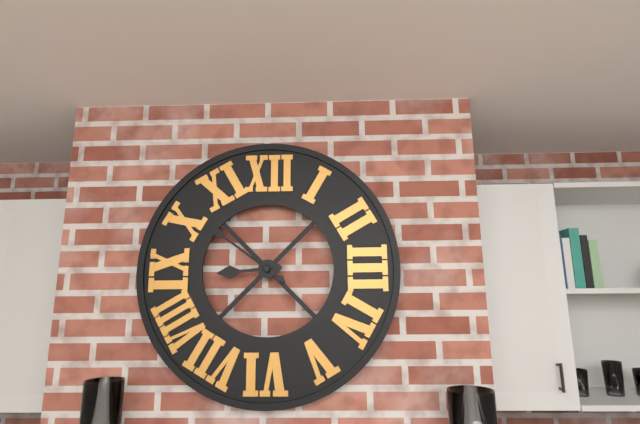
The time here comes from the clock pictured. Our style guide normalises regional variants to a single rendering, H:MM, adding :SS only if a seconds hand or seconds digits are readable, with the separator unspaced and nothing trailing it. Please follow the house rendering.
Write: 8:51
